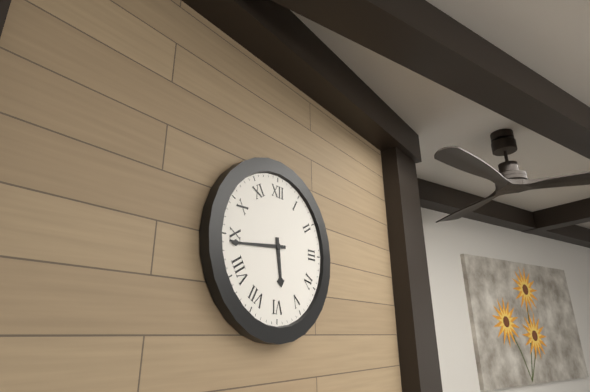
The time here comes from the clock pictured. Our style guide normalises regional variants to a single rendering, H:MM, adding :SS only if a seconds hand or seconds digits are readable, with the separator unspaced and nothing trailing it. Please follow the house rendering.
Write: 5:44
